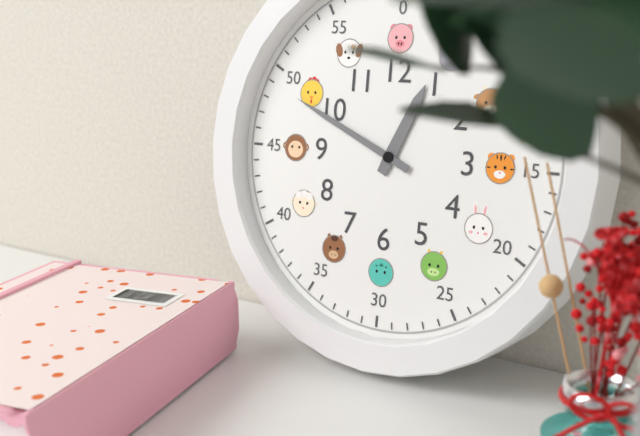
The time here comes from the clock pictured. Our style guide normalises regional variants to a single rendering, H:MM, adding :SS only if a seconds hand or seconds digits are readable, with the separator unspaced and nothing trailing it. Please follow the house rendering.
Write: 12:49
